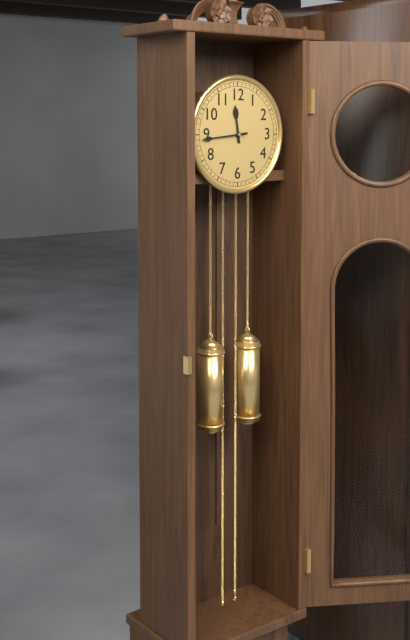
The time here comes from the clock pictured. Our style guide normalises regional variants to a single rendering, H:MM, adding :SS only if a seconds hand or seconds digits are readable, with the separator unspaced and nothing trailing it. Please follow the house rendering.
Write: 11:44
